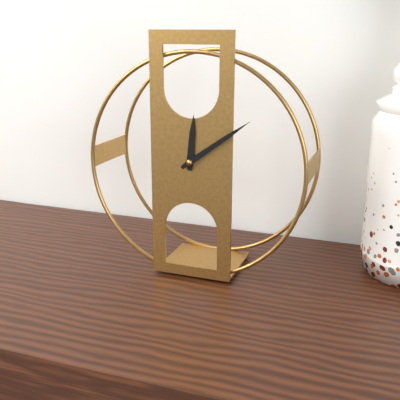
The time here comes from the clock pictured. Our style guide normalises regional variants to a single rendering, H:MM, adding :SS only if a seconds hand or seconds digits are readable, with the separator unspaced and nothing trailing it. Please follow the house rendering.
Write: 12:09
